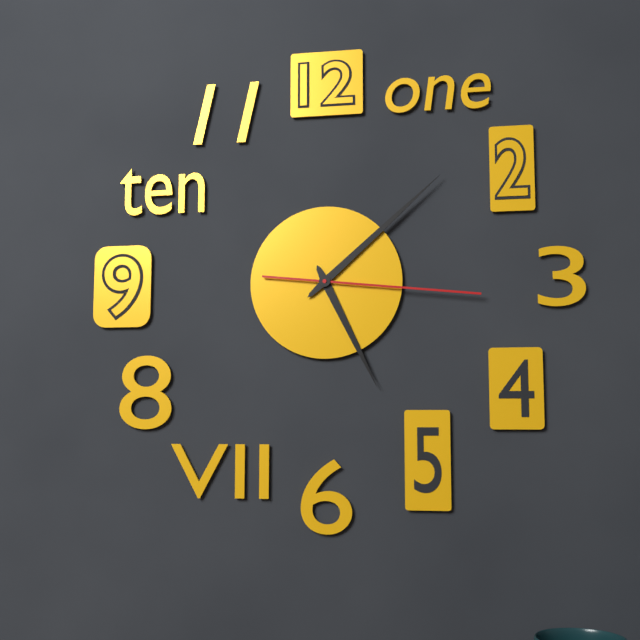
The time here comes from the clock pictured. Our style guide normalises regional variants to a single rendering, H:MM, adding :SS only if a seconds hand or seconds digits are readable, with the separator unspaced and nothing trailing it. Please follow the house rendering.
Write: 5:08:16
